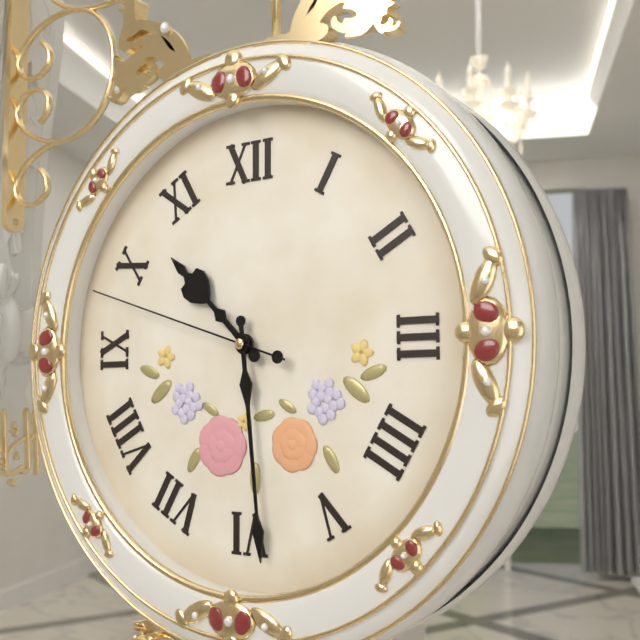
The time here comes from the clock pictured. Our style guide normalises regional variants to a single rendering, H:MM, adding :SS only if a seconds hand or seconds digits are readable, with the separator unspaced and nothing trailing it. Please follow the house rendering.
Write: 10:29:48
